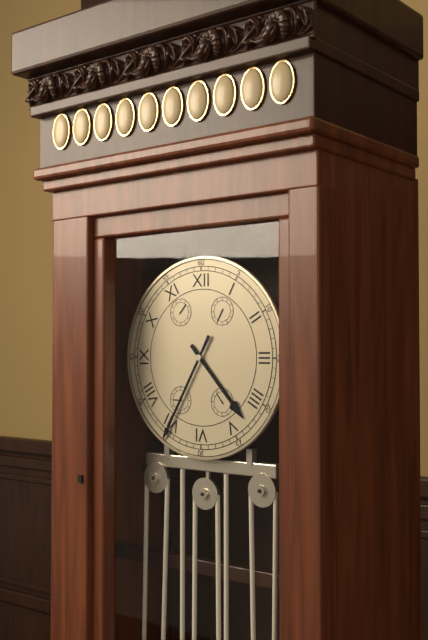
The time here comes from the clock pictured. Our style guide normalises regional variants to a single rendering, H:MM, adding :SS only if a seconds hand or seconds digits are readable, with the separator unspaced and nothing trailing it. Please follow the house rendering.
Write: 4:35
